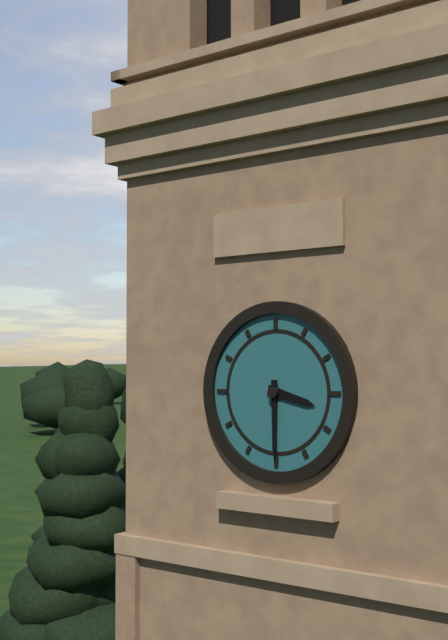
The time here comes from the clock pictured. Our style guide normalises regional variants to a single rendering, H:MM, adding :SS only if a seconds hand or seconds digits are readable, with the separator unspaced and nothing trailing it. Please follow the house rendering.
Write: 3:30
